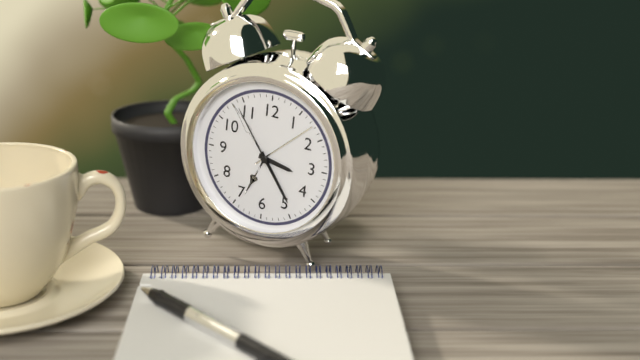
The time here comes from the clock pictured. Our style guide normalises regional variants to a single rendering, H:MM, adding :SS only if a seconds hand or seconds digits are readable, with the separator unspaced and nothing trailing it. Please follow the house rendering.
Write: 3:24:54
